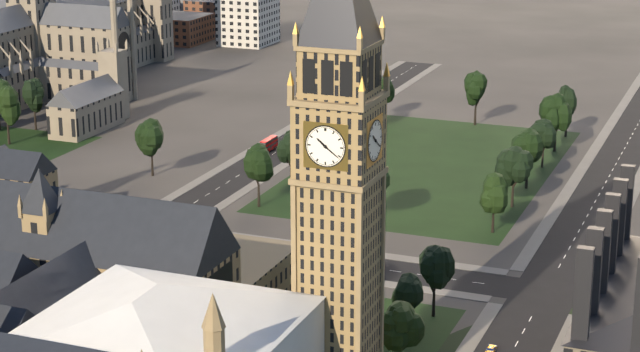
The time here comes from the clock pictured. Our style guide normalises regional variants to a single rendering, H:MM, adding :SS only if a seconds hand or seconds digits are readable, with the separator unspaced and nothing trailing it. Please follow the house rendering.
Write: 10:21
